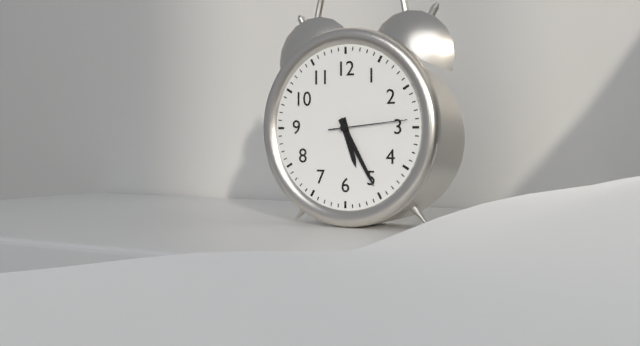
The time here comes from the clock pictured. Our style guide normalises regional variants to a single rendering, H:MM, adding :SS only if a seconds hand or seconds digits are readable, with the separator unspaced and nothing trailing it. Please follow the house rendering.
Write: 5:25:14
